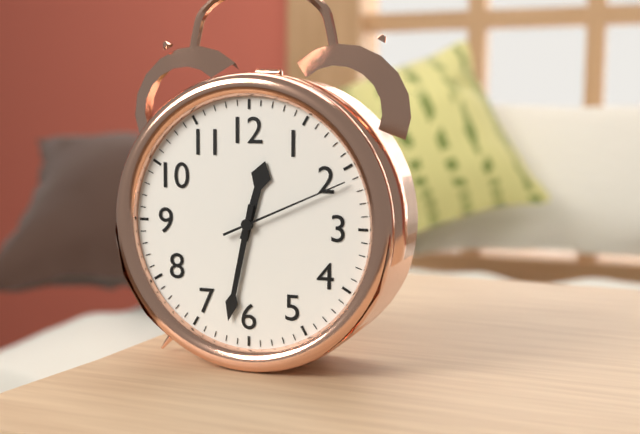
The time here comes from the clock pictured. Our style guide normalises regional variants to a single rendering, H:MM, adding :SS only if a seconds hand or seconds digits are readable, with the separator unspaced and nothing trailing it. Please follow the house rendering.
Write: 12:32:11
